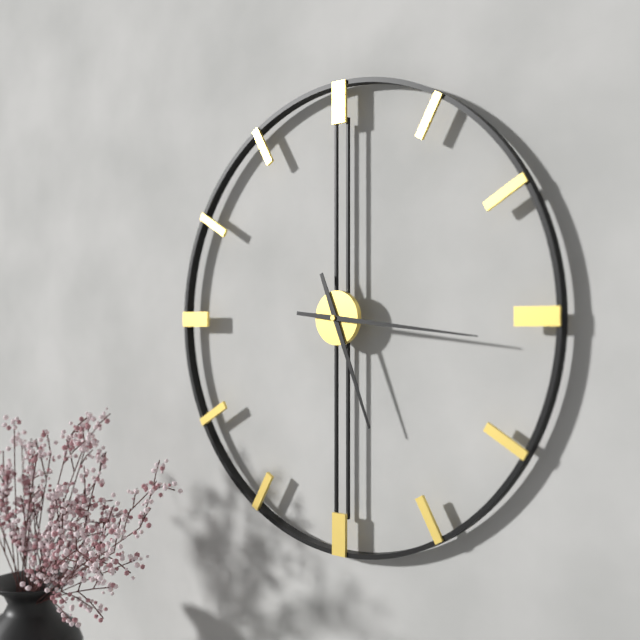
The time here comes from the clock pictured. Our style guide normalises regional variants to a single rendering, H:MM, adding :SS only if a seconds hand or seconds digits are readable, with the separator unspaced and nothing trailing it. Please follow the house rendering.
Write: 5:16
